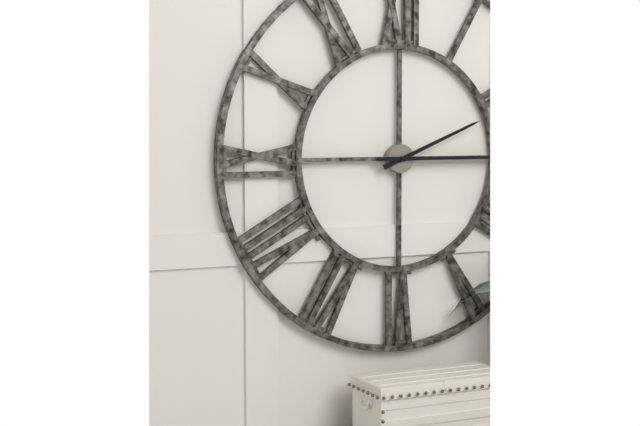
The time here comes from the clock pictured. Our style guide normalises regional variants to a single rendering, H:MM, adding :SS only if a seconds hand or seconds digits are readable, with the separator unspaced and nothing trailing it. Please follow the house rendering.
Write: 2:15
